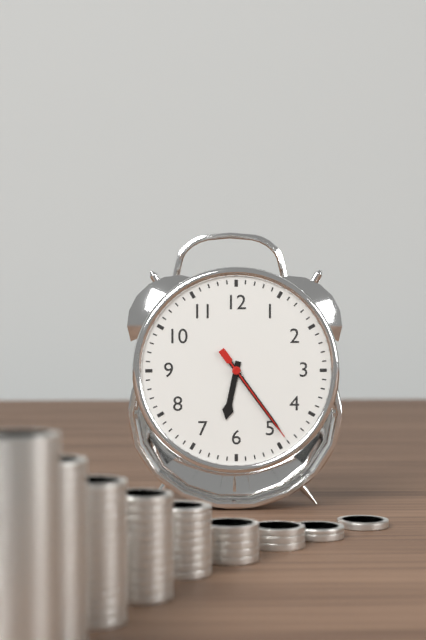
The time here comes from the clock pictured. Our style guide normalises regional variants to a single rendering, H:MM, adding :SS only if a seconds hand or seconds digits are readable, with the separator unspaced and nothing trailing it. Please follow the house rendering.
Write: 6:24:24
